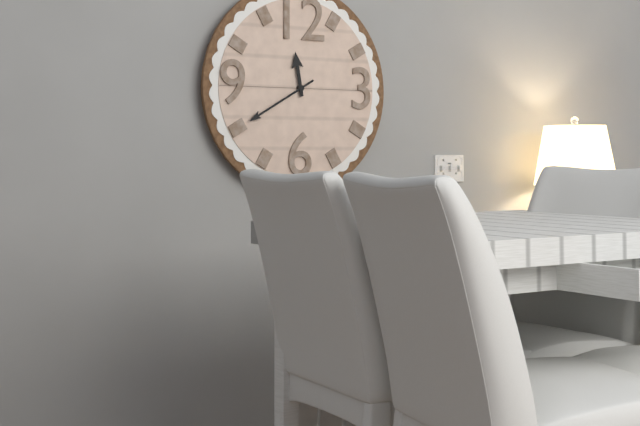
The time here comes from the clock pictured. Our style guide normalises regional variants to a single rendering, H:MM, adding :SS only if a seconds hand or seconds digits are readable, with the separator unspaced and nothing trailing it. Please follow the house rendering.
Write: 11:40
